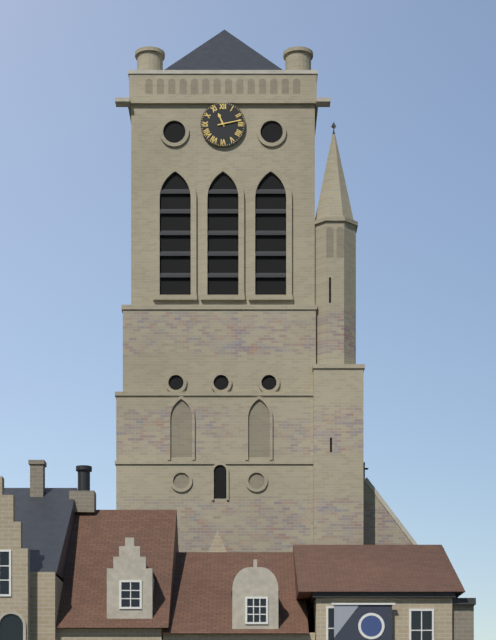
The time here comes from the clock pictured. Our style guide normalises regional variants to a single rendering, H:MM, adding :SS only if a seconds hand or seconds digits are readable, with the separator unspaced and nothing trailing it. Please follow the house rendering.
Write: 11:13
